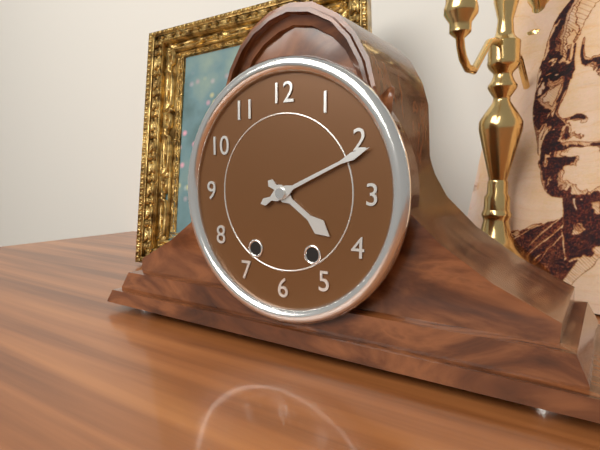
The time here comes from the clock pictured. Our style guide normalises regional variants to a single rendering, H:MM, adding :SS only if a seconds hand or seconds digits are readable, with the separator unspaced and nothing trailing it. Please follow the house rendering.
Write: 4:11
